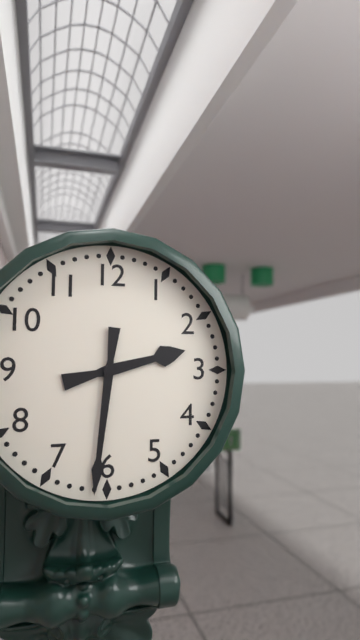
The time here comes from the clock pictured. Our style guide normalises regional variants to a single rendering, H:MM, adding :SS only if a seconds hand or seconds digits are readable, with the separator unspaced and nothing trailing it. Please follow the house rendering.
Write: 2:31
